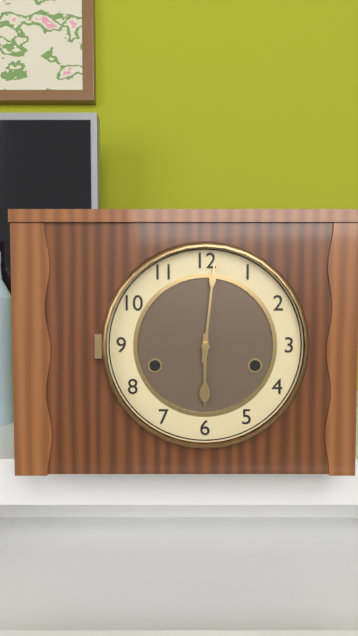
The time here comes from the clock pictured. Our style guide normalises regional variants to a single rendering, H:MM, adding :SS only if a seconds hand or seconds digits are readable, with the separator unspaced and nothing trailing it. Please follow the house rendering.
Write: 6:01
